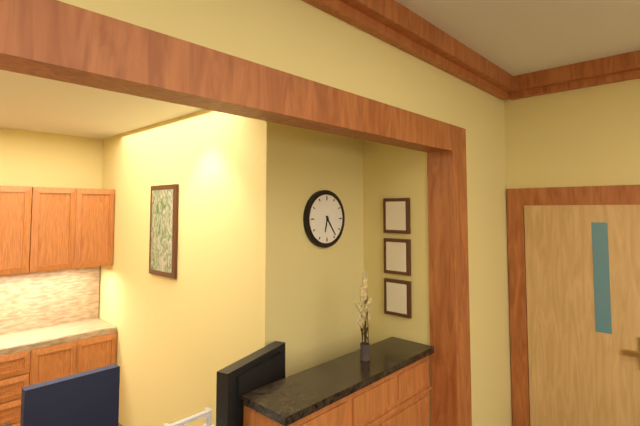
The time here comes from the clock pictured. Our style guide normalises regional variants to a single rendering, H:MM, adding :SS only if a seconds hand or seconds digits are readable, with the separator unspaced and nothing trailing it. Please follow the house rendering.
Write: 6:24
